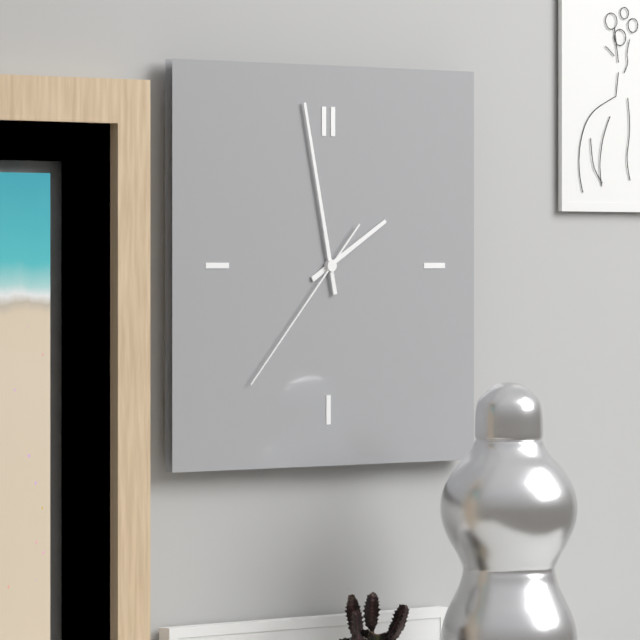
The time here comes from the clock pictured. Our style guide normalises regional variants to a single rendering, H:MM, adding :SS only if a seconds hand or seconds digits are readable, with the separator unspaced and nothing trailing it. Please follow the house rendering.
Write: 1:58:37
